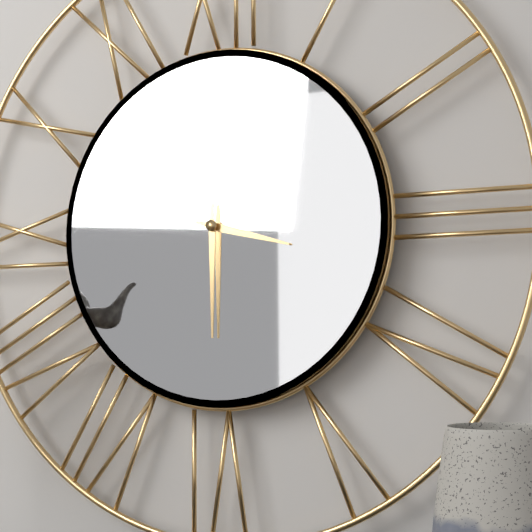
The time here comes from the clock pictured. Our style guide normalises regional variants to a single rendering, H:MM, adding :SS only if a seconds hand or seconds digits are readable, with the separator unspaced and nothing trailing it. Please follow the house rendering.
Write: 3:30
